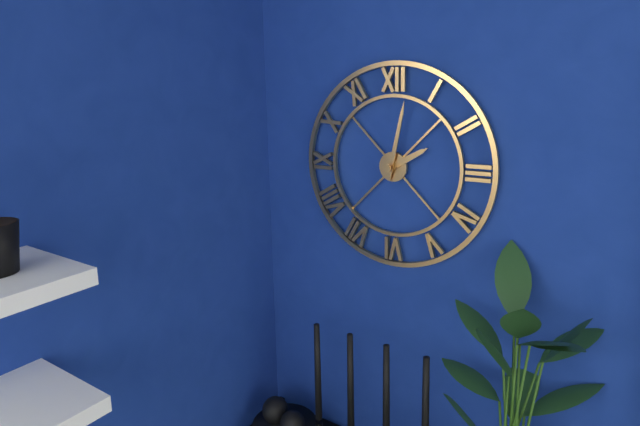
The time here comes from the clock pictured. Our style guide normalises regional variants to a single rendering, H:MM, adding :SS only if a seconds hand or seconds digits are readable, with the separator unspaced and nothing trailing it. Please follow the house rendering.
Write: 2:02
